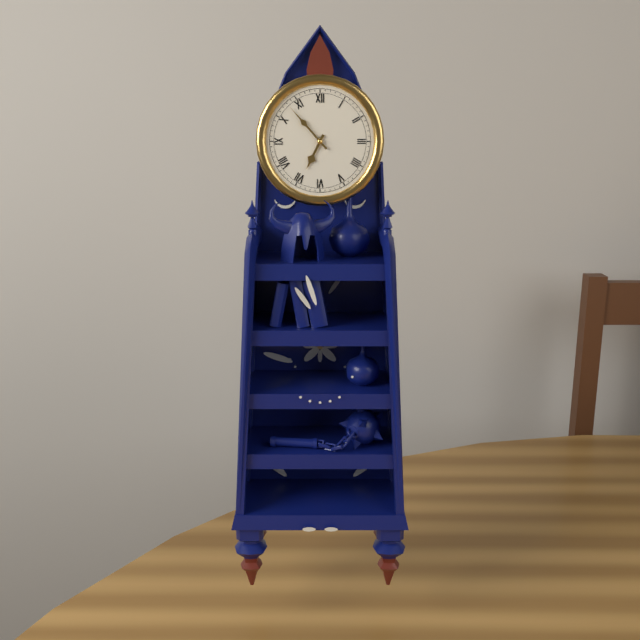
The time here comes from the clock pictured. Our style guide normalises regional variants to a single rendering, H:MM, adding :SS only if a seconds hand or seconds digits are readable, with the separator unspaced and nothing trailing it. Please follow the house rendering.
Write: 6:53
